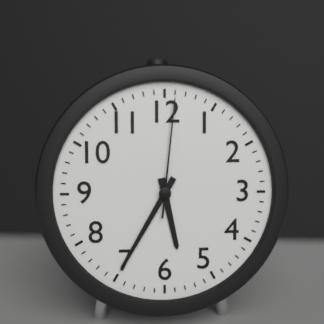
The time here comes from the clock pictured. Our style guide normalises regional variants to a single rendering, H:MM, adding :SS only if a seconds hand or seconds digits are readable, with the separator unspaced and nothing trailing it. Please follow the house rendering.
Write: 5:35:01
